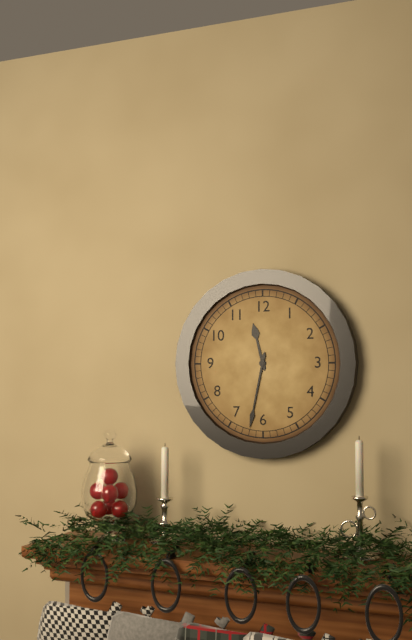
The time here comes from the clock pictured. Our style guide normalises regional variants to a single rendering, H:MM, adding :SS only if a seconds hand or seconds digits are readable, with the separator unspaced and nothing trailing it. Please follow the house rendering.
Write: 11:32
